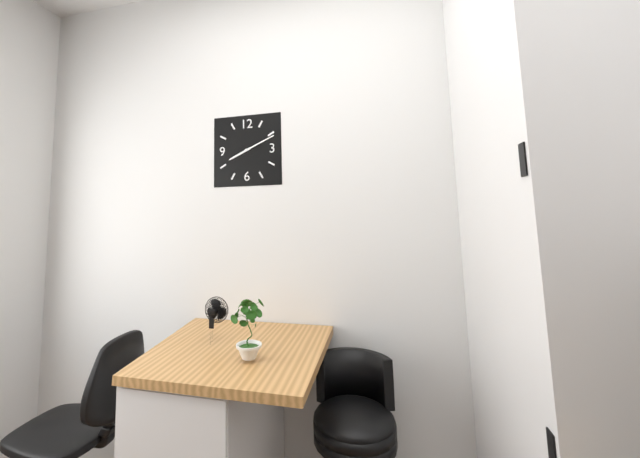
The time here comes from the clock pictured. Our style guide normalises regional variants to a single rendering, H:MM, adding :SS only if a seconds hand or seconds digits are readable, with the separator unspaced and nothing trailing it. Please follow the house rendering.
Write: 8:11
